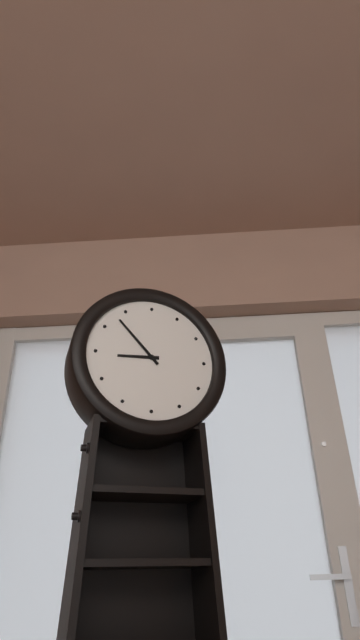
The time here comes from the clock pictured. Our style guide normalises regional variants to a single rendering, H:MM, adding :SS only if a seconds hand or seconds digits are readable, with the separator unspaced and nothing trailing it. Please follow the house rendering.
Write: 8:53
